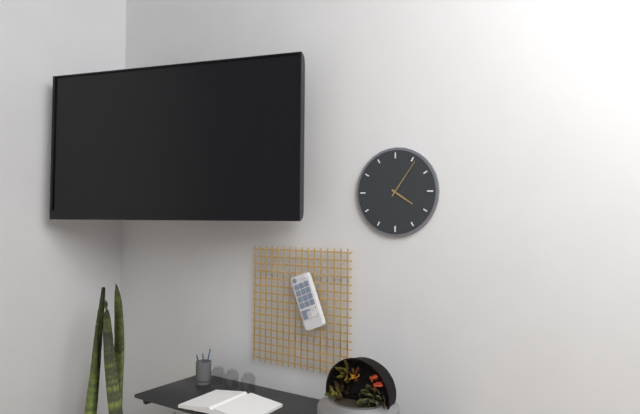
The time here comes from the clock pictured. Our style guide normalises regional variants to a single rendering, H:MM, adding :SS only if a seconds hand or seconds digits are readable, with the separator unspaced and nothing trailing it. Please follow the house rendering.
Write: 4:06
